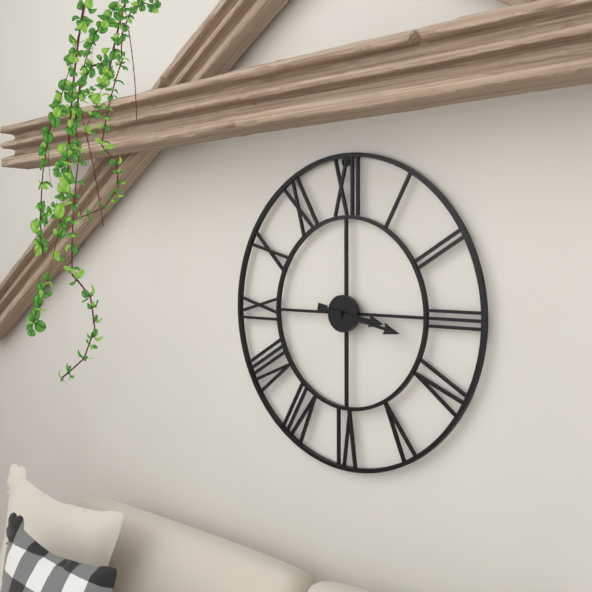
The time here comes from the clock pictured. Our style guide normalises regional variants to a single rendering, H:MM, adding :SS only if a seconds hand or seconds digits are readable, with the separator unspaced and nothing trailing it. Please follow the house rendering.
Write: 3:17
